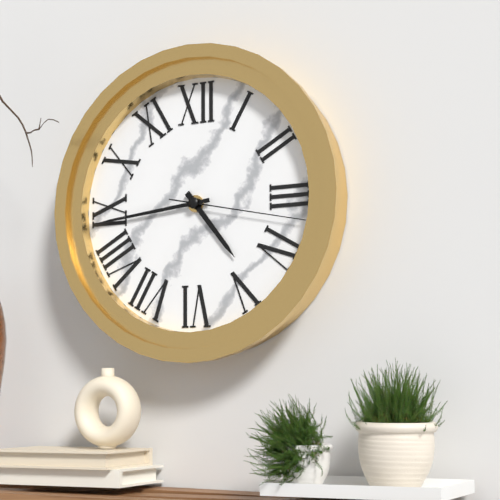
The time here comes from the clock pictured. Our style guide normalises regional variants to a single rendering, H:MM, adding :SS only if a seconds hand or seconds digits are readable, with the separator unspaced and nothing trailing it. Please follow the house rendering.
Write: 4:44:17
